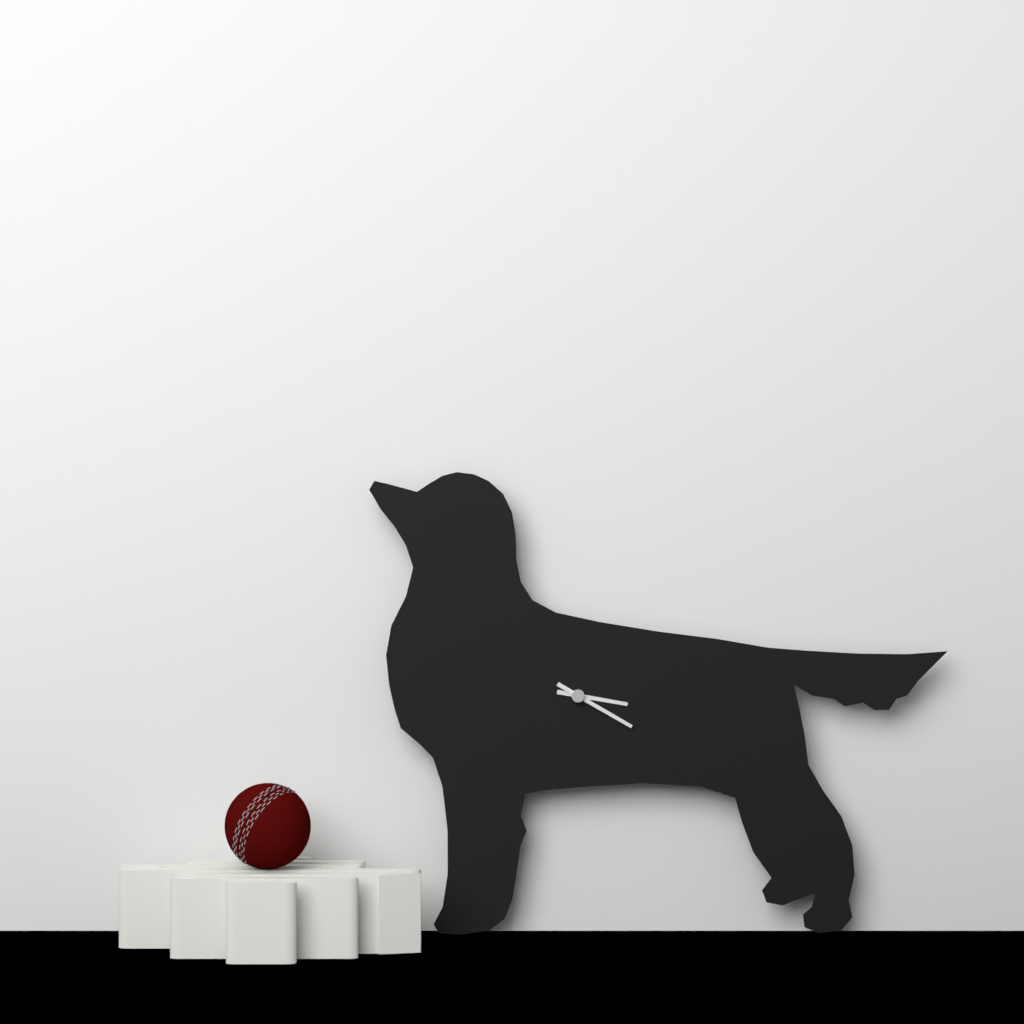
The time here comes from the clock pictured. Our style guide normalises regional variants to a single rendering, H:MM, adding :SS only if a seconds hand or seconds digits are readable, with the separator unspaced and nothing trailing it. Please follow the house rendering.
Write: 3:20
